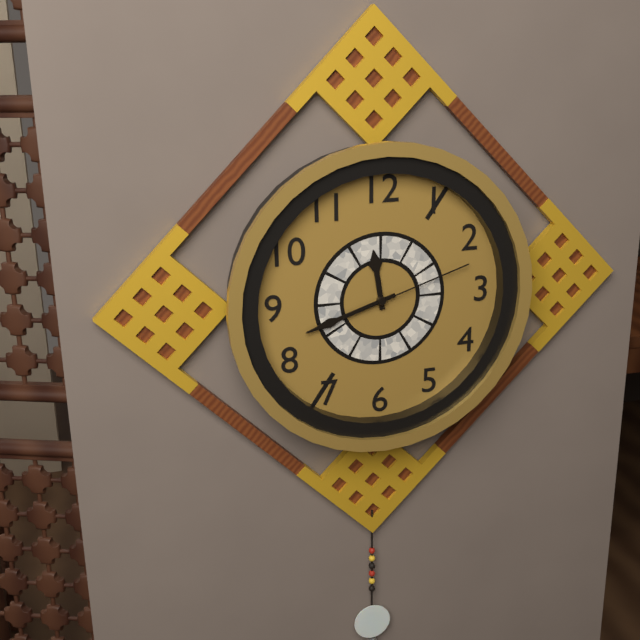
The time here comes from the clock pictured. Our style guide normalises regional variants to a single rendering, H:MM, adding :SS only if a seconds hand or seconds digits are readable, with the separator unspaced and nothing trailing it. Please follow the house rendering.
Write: 11:42:12
